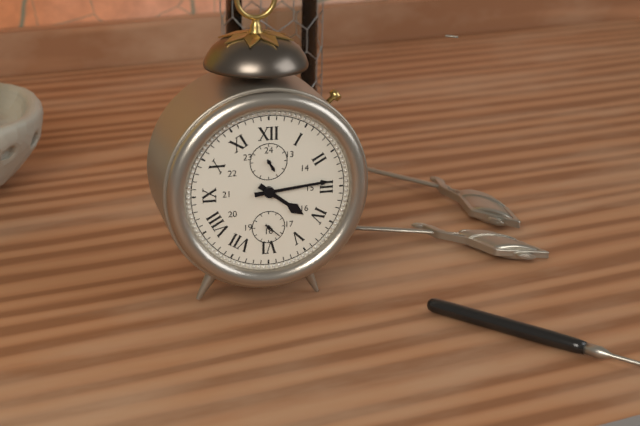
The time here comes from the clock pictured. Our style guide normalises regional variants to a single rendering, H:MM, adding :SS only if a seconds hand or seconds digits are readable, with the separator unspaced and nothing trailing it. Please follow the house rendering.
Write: 4:14
